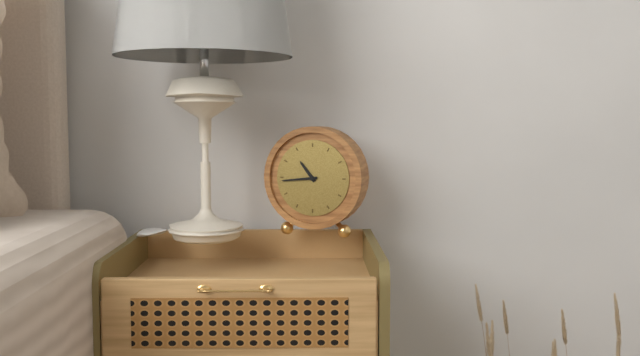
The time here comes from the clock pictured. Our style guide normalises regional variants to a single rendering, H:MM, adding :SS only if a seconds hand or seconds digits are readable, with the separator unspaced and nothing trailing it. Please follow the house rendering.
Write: 10:44
